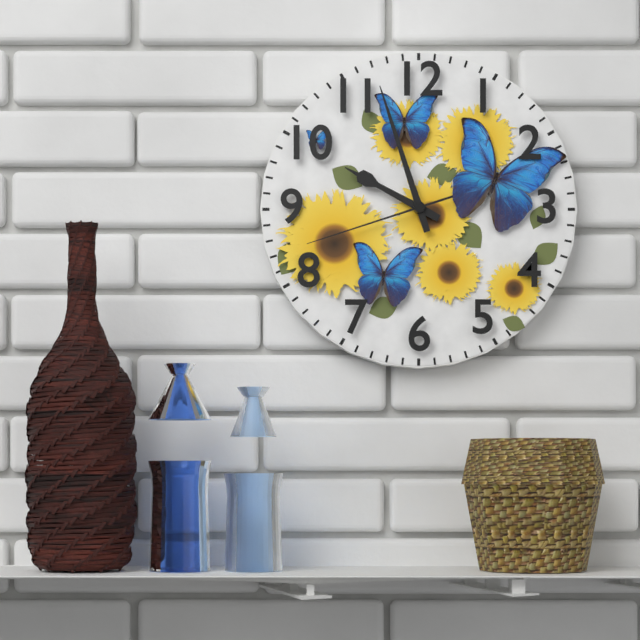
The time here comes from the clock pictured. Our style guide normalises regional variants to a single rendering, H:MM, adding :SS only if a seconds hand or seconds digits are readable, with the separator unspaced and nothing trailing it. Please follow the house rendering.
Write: 9:57:42
